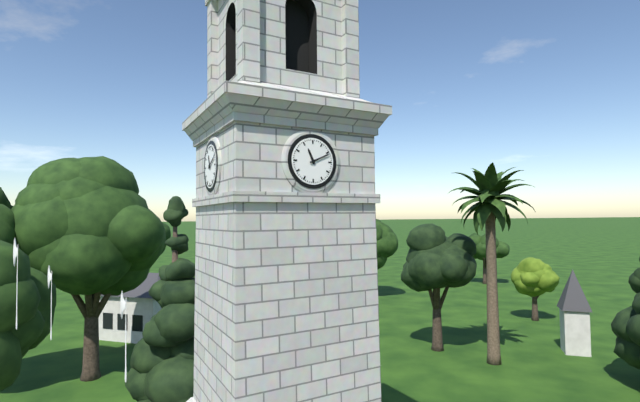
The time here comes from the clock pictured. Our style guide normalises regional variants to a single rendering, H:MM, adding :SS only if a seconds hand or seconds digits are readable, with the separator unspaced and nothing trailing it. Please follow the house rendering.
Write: 11:11
